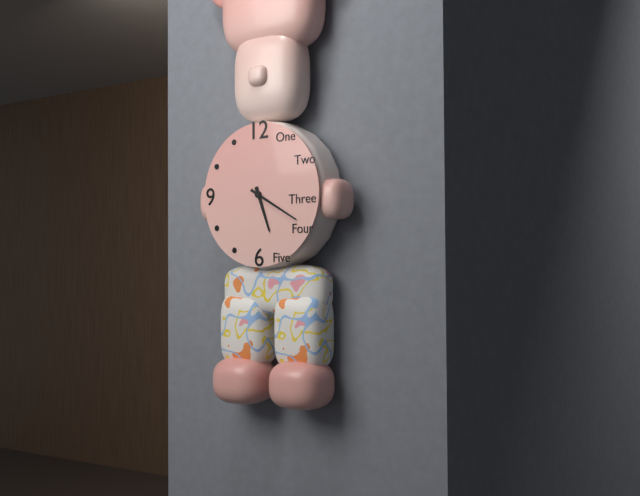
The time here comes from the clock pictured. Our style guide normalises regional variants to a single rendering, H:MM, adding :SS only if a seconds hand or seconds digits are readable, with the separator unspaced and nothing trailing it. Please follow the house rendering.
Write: 5:20
